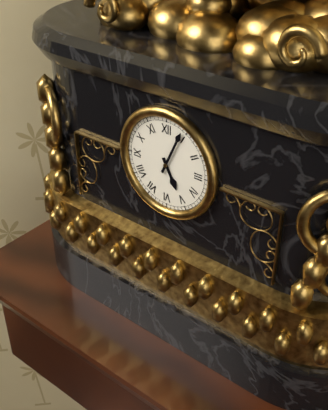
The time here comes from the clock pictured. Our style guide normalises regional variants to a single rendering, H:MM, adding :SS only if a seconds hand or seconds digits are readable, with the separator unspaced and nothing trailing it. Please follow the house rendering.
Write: 5:04
